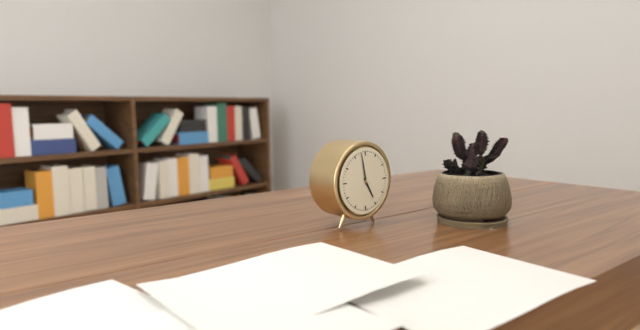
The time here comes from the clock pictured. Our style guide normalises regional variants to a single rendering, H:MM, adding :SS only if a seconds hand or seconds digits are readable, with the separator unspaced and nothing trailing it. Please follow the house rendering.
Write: 4:58
